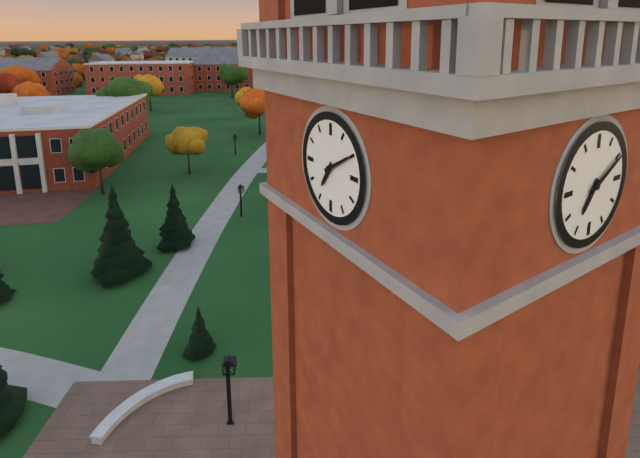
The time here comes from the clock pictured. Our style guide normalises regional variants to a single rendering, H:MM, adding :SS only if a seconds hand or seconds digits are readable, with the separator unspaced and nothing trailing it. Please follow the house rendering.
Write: 7:10
